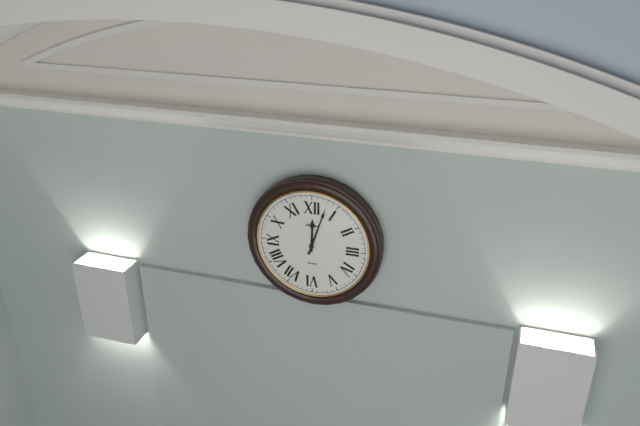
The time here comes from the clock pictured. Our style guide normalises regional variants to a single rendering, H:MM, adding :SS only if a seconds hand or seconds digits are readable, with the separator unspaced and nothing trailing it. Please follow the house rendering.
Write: 12:03
